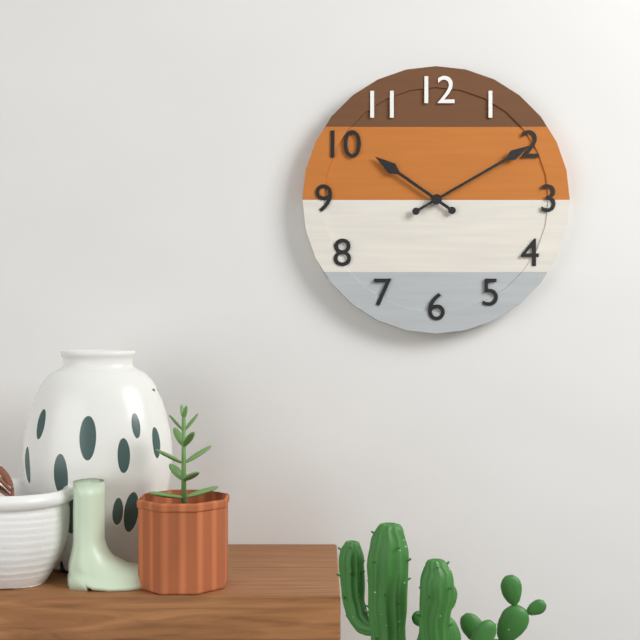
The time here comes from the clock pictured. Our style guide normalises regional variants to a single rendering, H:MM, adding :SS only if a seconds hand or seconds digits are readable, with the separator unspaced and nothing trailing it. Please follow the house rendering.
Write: 10:10
